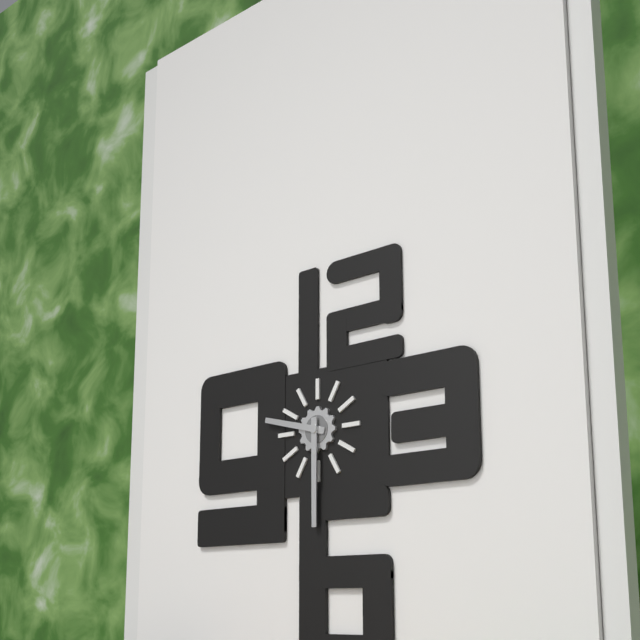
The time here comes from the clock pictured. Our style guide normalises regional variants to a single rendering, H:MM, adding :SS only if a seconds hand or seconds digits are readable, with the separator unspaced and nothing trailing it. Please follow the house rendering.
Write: 9:30
